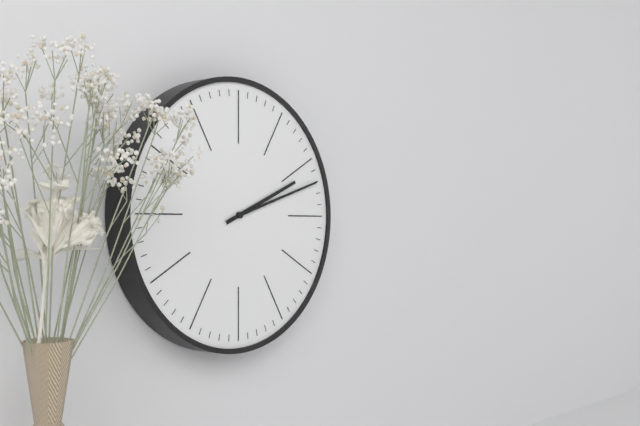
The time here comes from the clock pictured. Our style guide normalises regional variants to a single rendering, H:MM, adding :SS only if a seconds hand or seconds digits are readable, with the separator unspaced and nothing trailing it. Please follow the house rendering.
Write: 2:12
